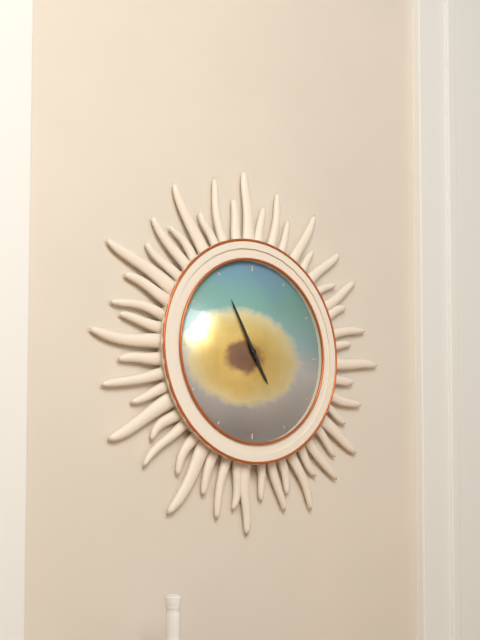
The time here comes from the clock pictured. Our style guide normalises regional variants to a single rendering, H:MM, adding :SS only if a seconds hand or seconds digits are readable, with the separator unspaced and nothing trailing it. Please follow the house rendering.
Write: 4:55
